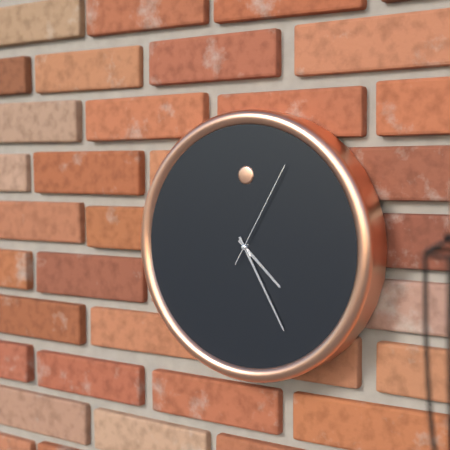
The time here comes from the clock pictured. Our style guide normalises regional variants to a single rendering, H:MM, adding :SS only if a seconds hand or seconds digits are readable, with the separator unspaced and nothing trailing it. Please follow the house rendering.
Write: 4:25:05
